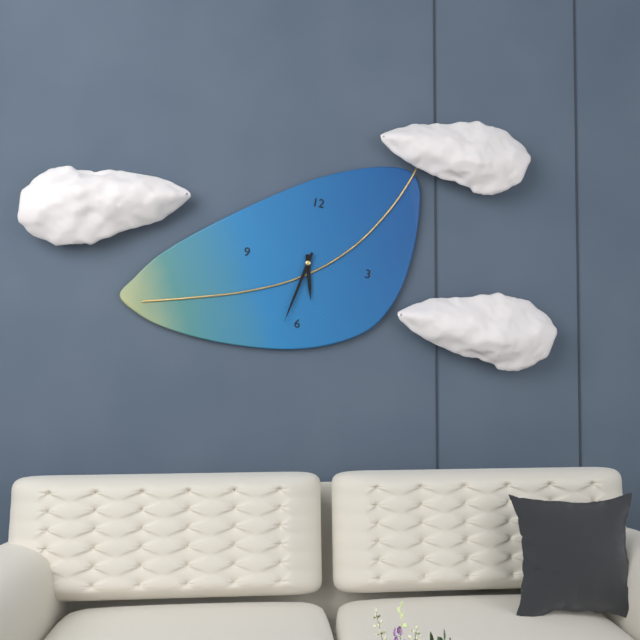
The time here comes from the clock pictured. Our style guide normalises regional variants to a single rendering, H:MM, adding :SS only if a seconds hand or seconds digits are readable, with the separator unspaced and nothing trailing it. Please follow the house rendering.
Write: 5:32
